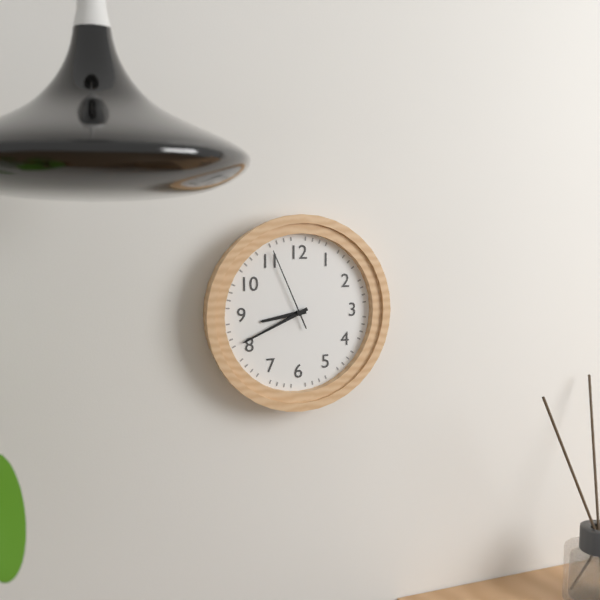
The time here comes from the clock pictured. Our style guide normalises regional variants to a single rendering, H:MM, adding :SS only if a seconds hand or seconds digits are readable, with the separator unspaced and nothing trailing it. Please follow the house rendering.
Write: 8:41:56
